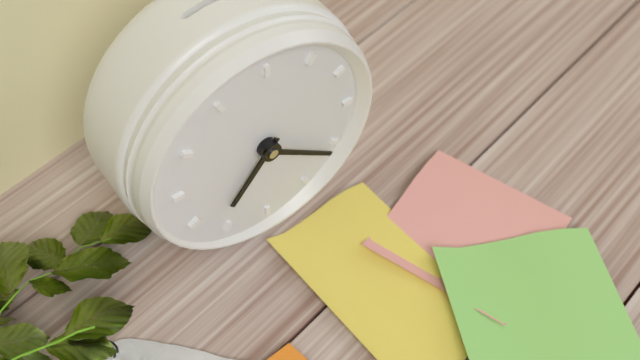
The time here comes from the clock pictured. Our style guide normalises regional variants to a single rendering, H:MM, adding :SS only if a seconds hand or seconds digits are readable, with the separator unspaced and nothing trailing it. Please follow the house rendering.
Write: 7:21
